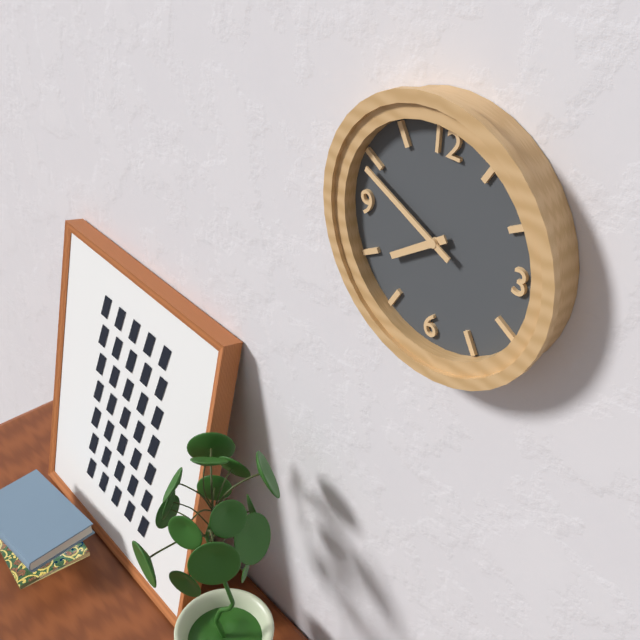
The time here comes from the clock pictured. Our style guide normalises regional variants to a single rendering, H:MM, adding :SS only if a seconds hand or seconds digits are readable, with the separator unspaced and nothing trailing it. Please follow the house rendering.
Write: 7:49
